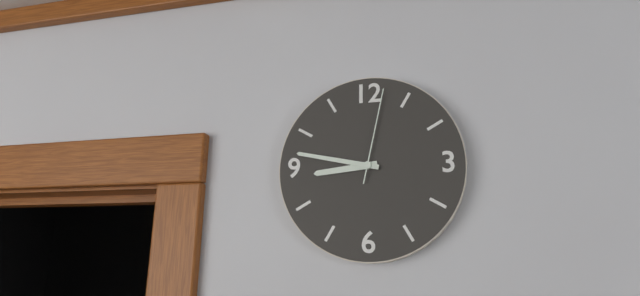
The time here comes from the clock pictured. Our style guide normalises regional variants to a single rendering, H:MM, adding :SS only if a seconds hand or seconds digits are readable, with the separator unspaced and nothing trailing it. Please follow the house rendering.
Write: 8:47:02
